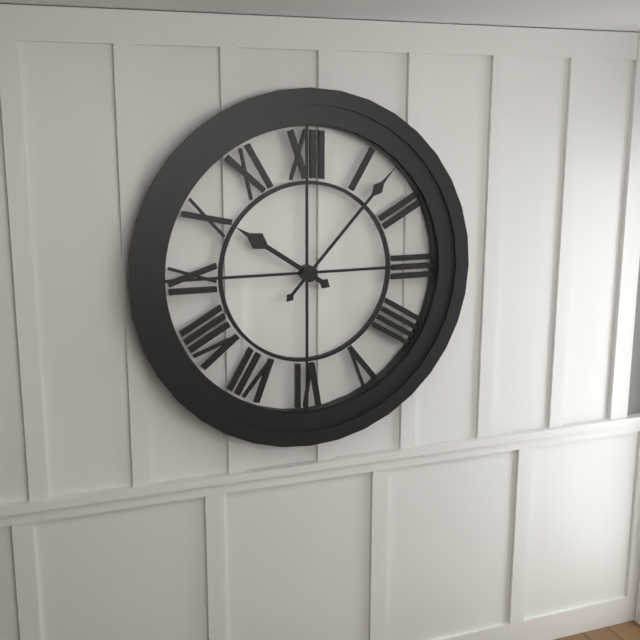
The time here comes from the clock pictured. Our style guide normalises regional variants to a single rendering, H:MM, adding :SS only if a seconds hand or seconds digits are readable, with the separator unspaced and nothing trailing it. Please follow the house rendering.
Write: 10:07
